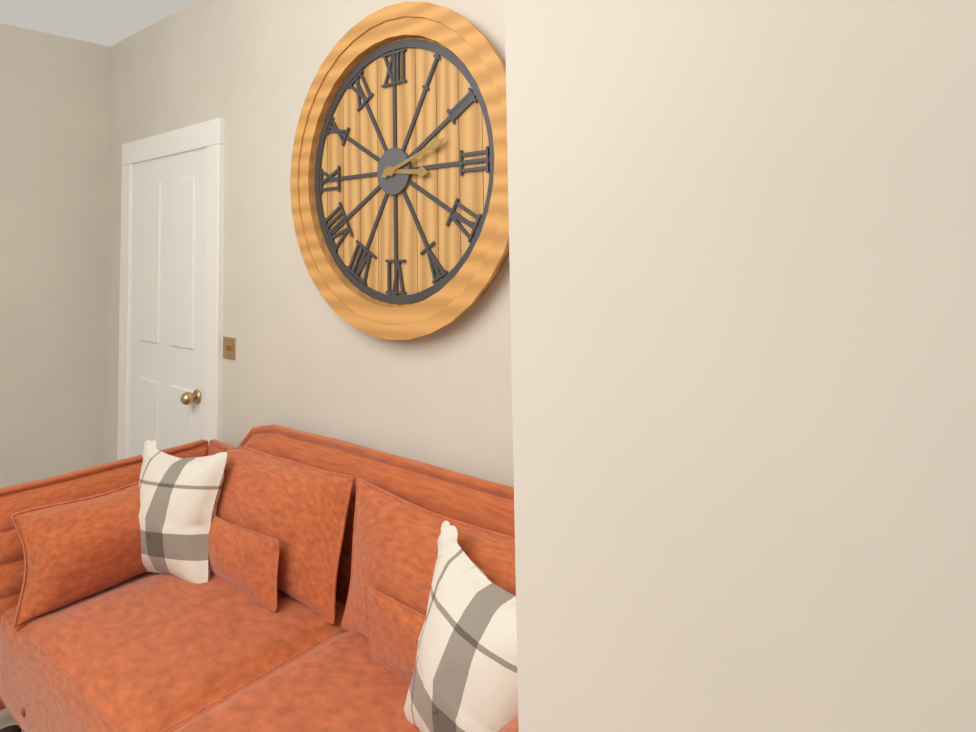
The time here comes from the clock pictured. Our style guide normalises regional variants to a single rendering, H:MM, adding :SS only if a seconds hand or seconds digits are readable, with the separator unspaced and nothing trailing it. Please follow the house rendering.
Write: 3:12
